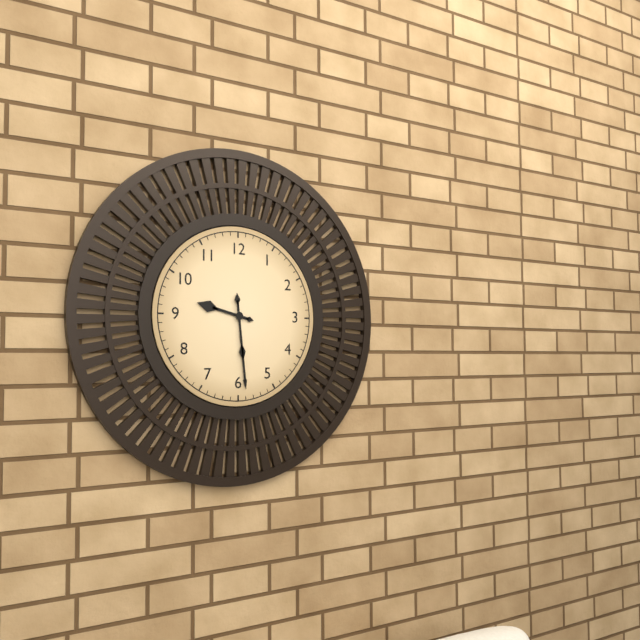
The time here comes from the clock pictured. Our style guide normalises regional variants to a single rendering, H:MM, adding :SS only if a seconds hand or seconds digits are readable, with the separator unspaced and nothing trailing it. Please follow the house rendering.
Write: 9:29
